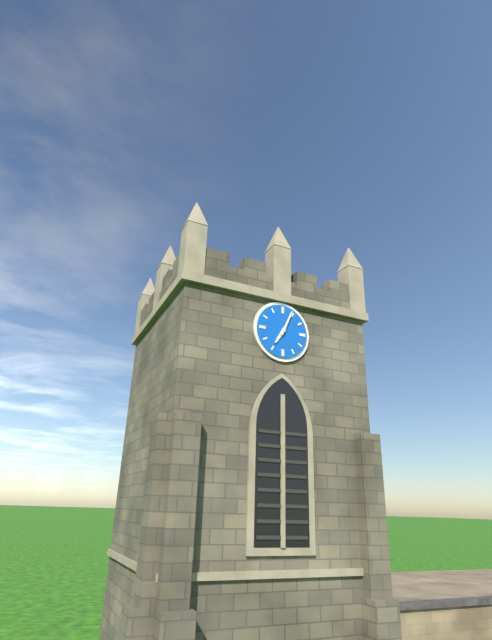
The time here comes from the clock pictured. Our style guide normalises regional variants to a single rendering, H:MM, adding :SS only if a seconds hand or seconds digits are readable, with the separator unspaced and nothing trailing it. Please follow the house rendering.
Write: 7:04
